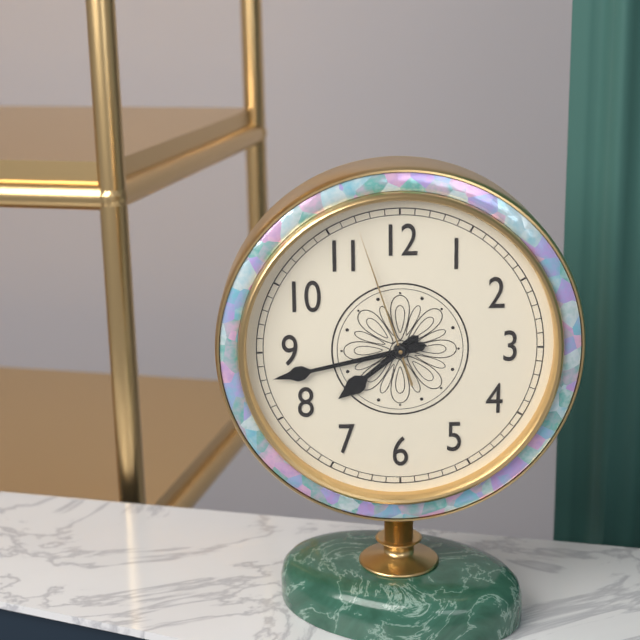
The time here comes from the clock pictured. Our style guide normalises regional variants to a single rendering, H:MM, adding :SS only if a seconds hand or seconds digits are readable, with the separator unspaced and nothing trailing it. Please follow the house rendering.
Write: 7:43:57
